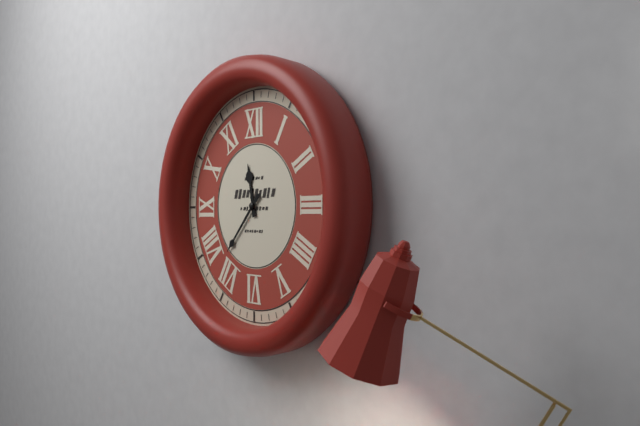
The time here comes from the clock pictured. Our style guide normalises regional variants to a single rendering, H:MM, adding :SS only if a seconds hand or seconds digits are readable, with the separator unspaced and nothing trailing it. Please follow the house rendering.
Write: 11:37
